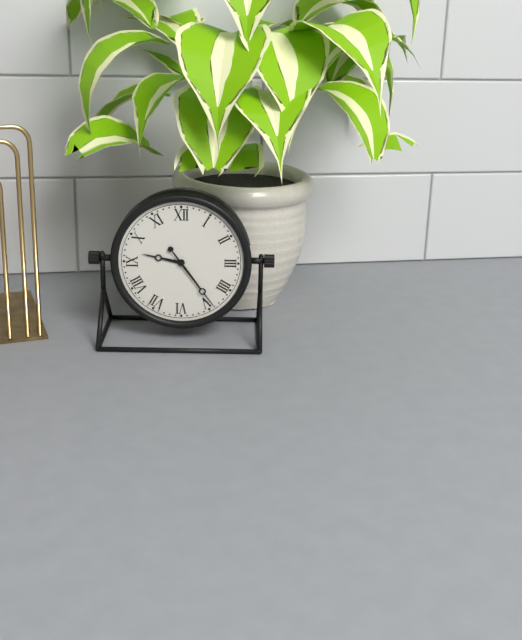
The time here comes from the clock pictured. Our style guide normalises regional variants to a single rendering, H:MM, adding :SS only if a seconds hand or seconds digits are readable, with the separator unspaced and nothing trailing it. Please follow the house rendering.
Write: 9:24
